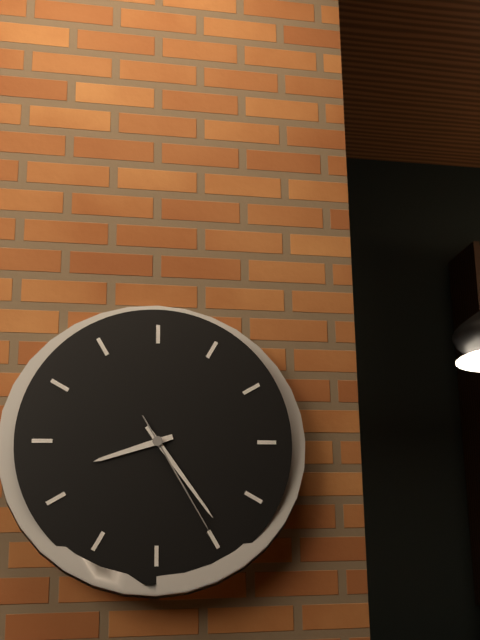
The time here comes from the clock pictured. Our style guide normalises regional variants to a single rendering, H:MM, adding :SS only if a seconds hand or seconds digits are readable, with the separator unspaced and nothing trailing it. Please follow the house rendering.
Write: 8:24:25
